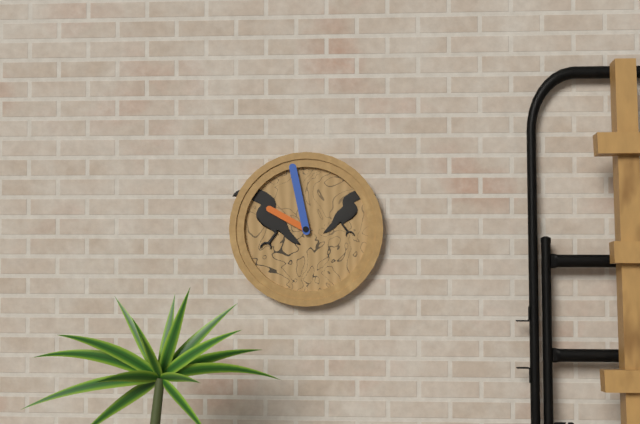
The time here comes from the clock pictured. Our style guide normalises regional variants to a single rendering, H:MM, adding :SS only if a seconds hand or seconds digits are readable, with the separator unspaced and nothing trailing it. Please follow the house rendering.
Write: 9:58
